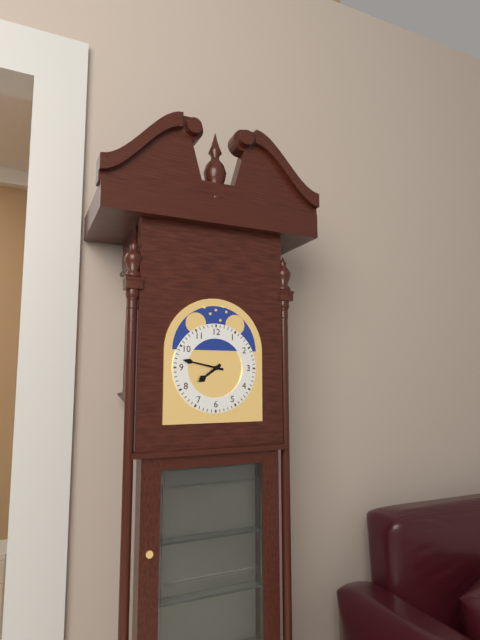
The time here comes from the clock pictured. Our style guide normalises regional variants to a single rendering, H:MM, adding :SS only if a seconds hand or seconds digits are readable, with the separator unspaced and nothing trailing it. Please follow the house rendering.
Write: 7:47
